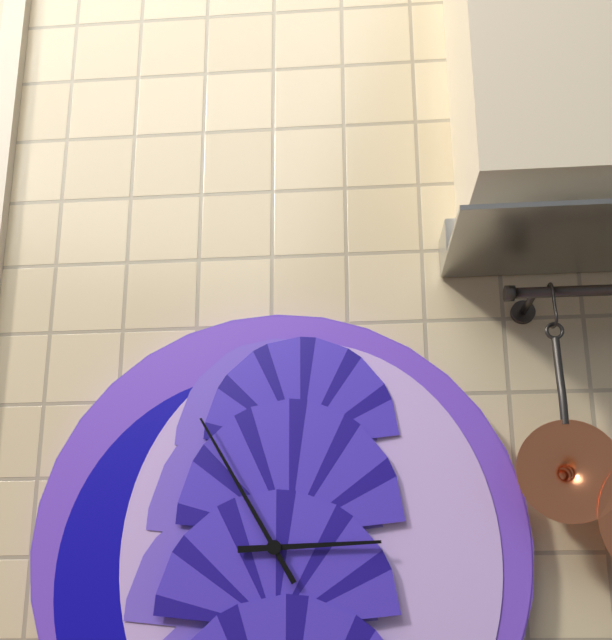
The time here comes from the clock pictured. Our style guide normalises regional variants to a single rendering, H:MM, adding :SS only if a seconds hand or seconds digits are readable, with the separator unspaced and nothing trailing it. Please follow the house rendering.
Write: 2:55
